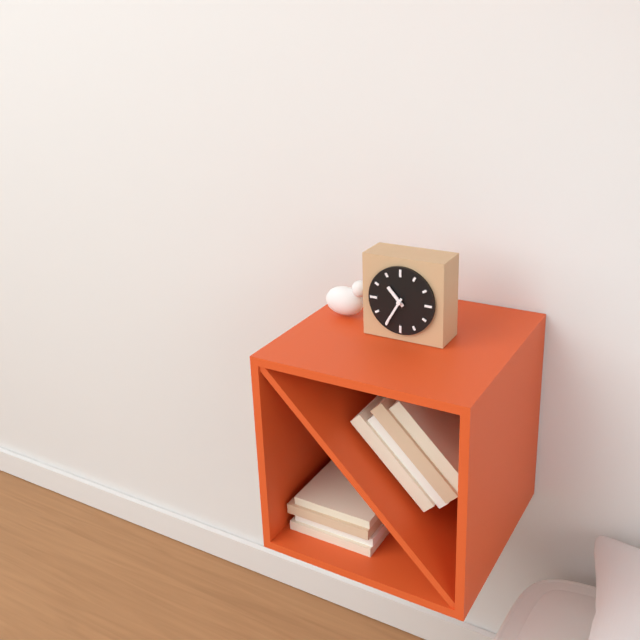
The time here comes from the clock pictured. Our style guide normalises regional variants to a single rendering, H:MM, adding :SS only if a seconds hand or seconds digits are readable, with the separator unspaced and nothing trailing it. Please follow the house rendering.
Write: 10:35
